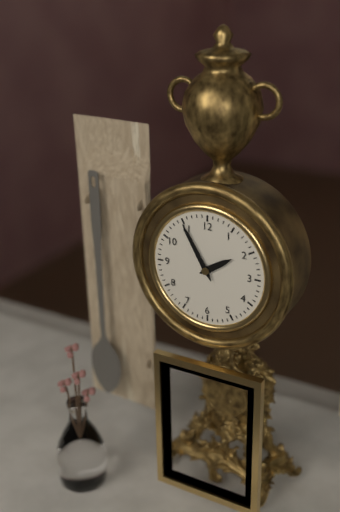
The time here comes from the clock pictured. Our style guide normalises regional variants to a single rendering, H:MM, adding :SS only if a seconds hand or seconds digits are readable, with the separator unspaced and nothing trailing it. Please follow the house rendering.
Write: 1:55
